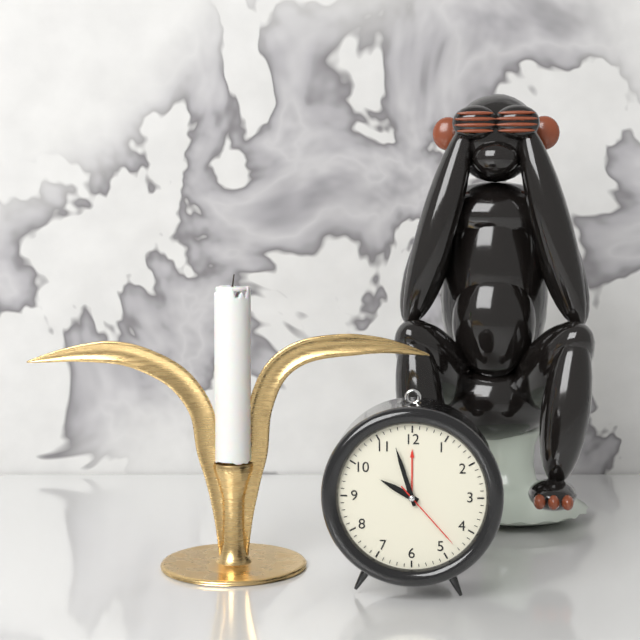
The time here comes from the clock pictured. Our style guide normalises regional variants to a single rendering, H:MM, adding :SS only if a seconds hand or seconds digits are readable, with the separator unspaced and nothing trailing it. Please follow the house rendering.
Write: 9:57:23
